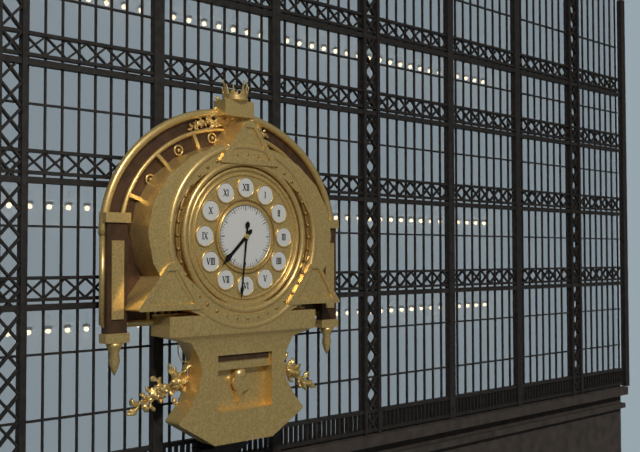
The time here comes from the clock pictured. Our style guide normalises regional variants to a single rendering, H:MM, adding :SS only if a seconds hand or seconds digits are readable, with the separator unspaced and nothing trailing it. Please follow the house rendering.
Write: 7:31
